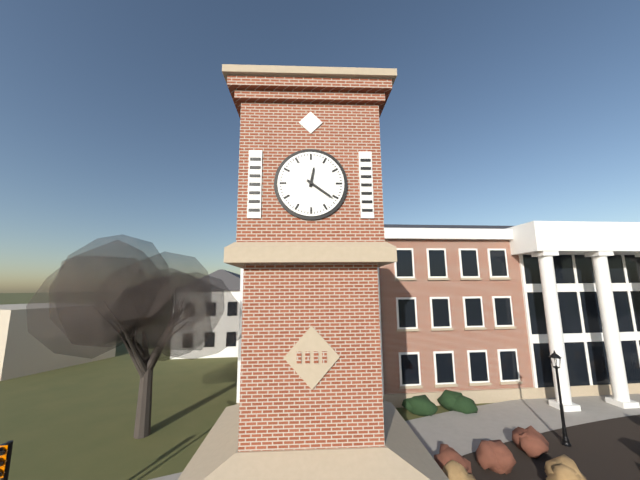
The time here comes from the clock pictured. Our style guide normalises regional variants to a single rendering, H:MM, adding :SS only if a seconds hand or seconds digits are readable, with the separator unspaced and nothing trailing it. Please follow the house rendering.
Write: 12:21
